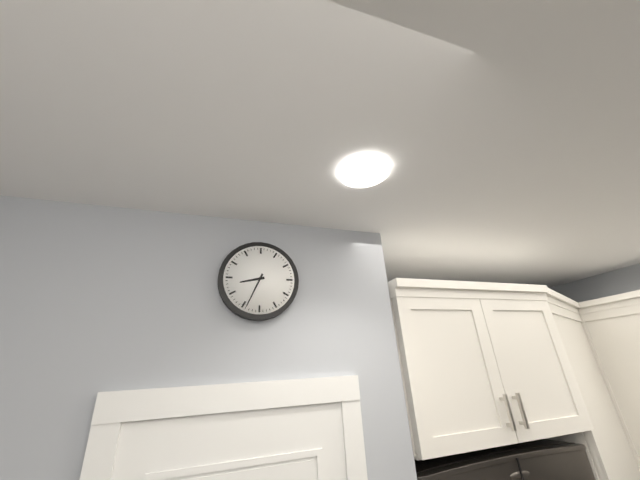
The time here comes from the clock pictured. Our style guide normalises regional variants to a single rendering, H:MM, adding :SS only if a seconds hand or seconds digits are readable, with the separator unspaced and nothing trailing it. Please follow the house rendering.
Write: 8:34
